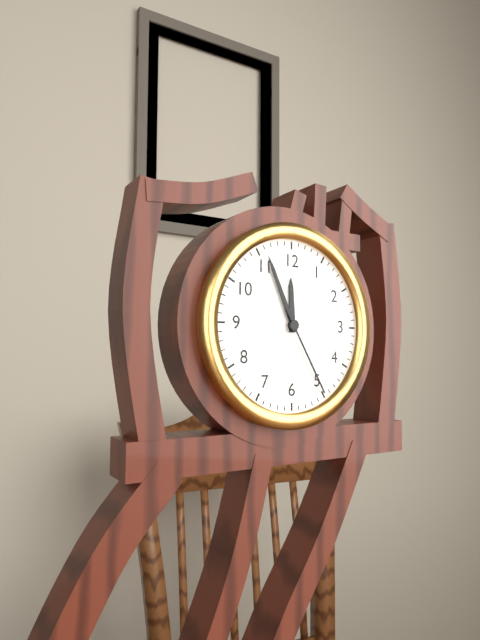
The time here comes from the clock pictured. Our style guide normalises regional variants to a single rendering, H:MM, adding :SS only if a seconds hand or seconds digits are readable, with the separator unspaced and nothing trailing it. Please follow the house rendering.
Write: 11:56:25
